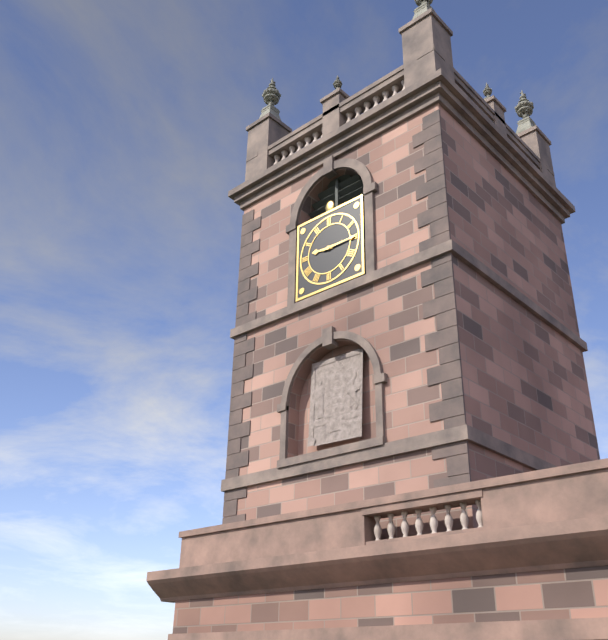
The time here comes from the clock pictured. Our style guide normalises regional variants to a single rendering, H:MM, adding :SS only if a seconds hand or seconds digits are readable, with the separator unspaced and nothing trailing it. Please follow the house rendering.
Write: 9:15
